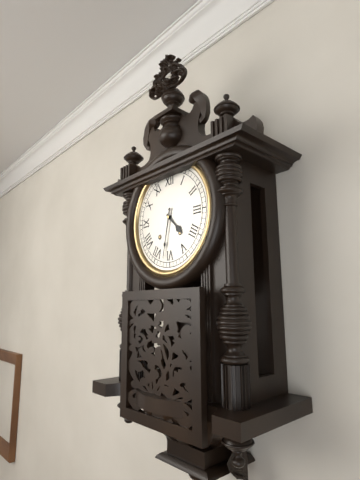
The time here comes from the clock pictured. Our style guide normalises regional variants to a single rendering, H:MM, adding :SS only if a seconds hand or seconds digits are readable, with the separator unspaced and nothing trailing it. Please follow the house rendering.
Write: 4:32
